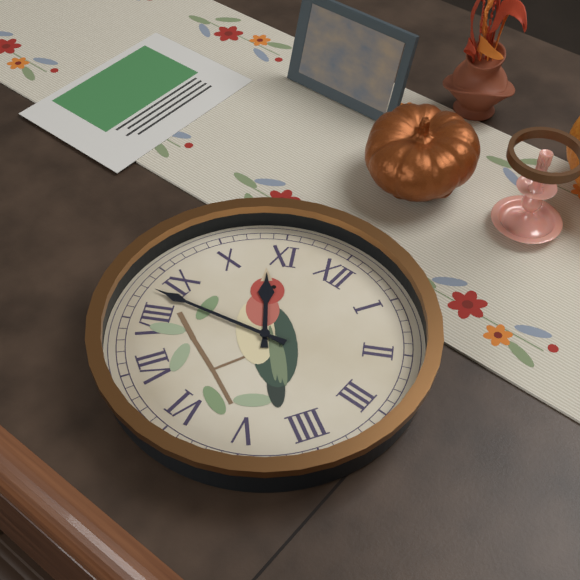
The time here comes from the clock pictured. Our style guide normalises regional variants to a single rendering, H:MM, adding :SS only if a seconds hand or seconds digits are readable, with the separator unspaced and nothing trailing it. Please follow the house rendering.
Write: 10:43
